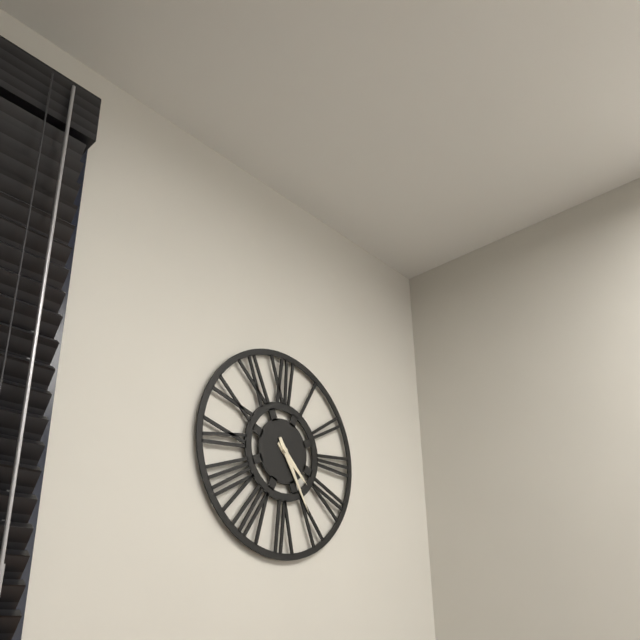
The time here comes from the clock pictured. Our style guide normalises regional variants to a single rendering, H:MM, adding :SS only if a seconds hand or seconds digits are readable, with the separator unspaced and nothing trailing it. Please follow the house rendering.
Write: 4:25
